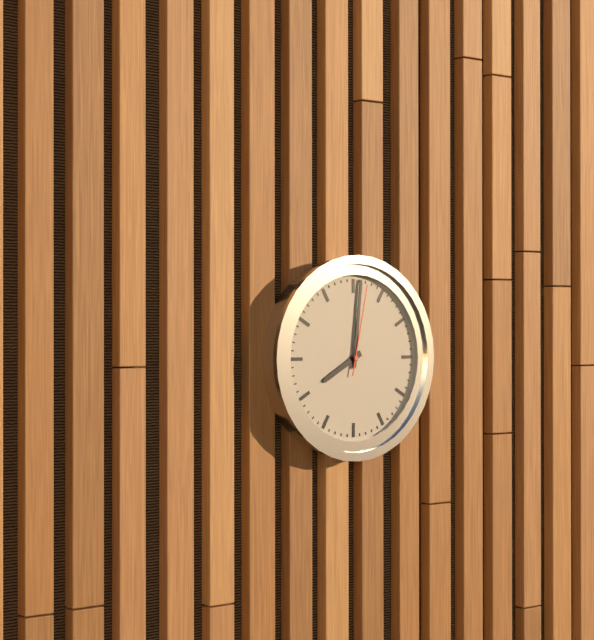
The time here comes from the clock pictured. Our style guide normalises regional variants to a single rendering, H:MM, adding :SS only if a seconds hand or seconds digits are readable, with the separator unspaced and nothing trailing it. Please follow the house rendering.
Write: 8:01:02
